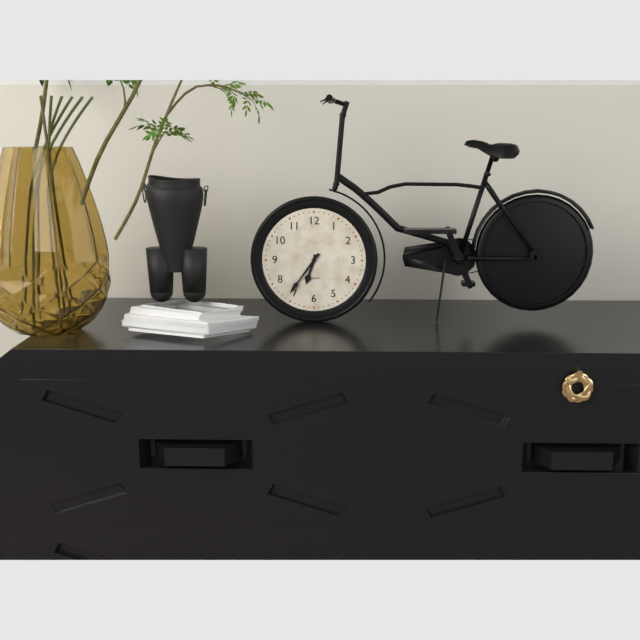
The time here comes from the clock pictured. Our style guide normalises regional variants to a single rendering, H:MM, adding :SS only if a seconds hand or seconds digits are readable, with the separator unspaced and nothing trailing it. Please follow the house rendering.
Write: 6:36
